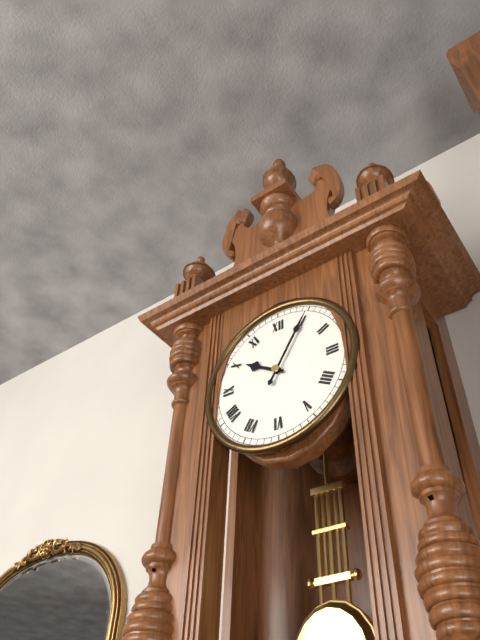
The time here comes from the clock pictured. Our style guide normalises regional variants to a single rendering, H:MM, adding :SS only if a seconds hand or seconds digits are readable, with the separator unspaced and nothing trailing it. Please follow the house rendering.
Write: 10:05
